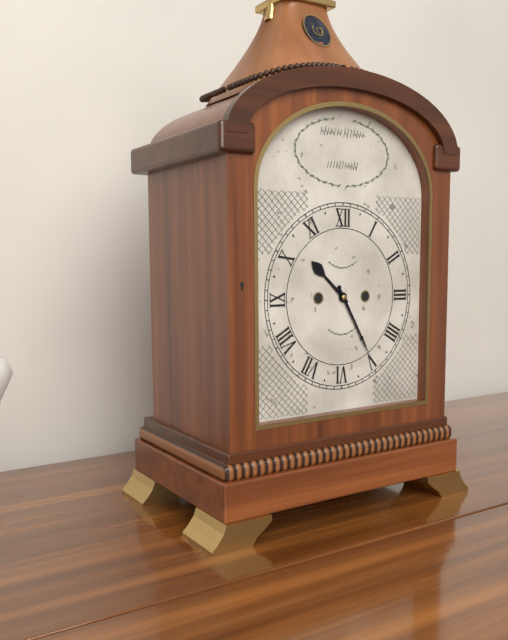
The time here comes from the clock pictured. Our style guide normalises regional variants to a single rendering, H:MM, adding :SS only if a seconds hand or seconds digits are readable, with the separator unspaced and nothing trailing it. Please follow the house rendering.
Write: 10:25
